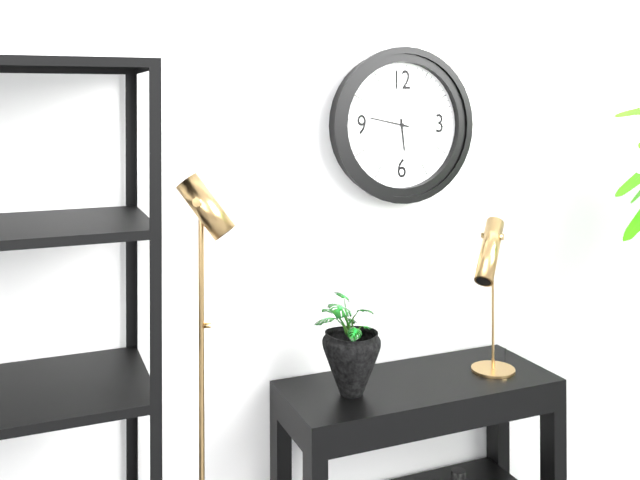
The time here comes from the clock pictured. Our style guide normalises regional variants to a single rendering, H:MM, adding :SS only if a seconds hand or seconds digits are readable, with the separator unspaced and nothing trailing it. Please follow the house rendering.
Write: 5:47
